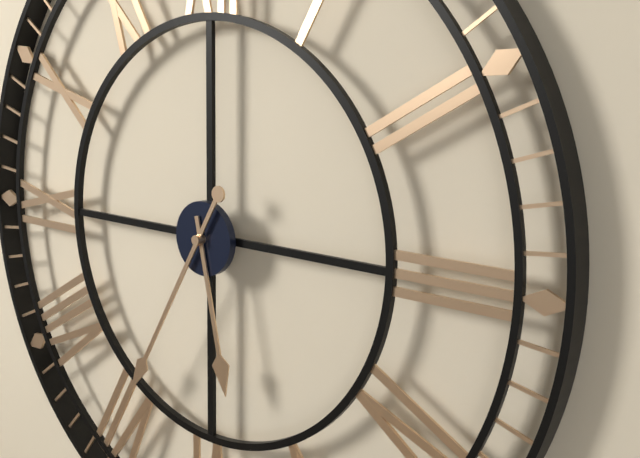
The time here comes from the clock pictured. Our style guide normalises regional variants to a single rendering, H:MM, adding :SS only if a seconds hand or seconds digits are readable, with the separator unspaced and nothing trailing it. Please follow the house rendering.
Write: 5:35
